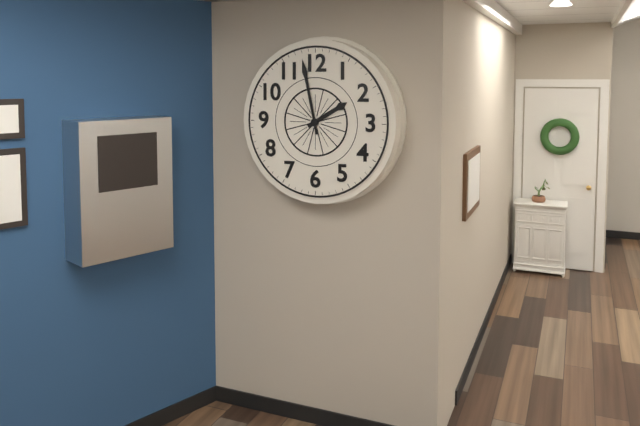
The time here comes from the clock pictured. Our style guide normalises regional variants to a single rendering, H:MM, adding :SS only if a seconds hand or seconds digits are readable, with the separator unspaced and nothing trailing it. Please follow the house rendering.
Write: 1:58
